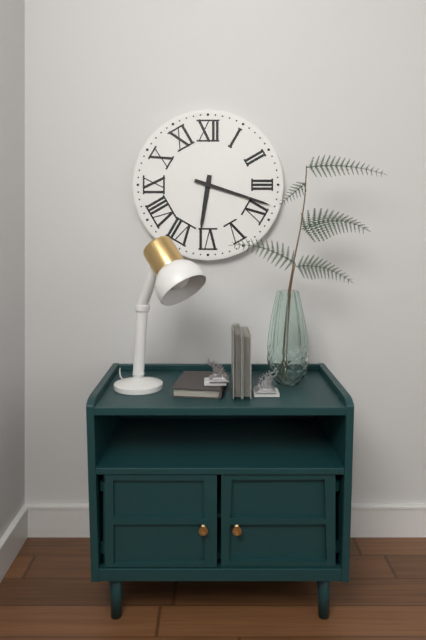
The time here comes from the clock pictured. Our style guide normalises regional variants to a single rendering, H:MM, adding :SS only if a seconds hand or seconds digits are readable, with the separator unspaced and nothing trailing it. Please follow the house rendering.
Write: 6:18
